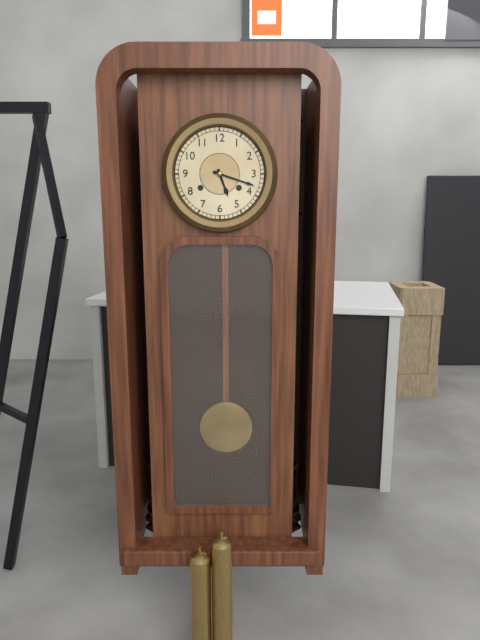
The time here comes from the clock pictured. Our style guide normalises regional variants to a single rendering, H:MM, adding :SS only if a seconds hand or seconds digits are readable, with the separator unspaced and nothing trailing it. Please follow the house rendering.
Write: 5:18
